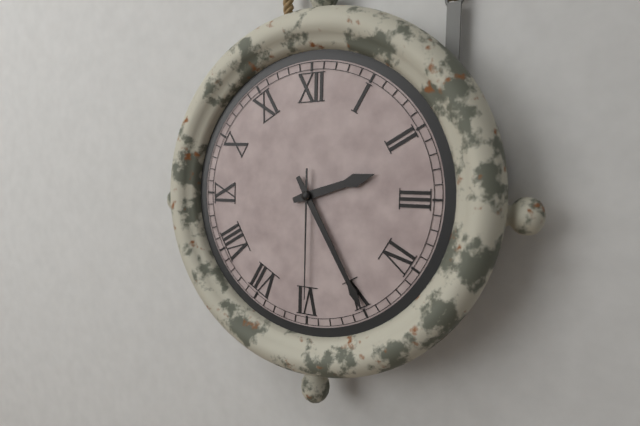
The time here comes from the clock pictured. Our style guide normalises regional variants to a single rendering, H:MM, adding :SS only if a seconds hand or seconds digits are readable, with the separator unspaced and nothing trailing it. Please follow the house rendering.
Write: 2:25:30
